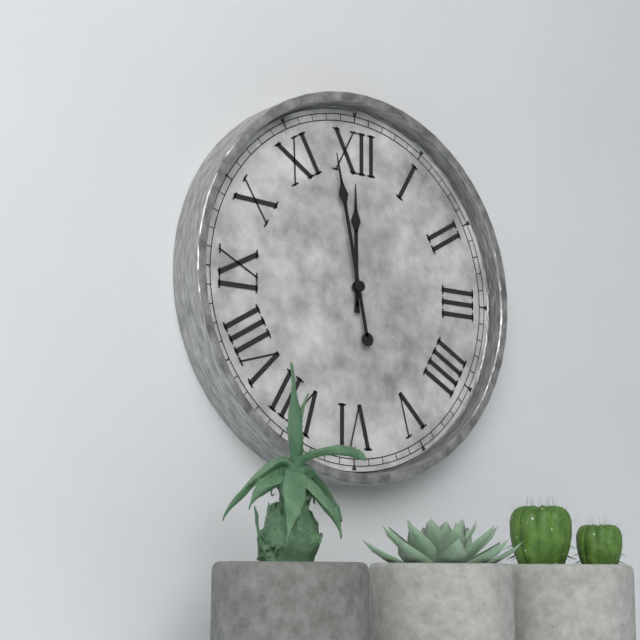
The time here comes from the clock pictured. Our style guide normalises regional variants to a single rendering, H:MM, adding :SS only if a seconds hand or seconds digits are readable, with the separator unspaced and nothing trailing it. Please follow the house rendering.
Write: 11:58
